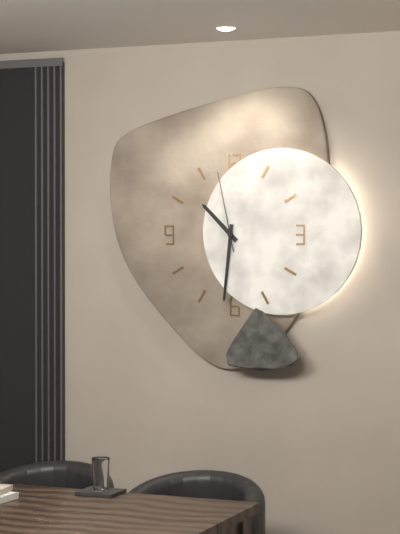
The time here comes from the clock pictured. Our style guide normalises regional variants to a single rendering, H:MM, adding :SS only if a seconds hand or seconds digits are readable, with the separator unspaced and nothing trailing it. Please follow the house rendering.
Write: 10:31:58
